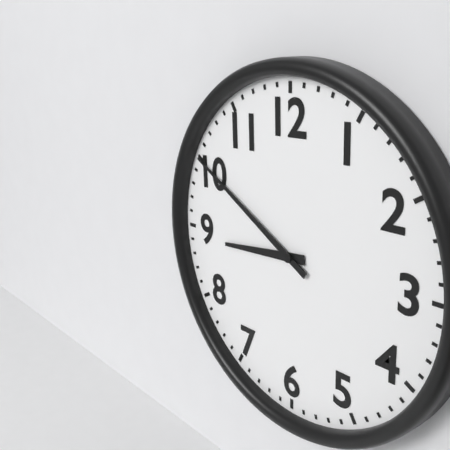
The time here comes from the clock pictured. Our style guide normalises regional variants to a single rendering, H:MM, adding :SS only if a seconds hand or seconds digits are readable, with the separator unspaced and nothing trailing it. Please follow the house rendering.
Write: 8:50
